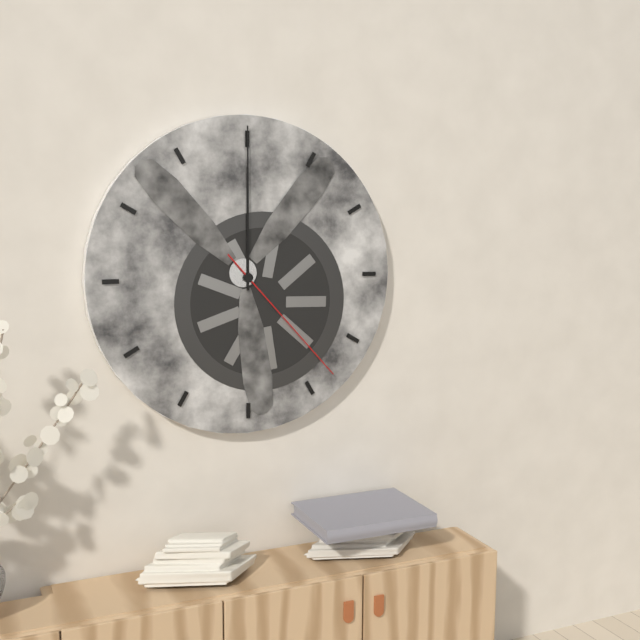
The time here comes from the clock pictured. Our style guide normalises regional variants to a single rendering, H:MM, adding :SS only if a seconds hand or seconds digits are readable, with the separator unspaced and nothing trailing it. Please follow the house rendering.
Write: 12:00:23
